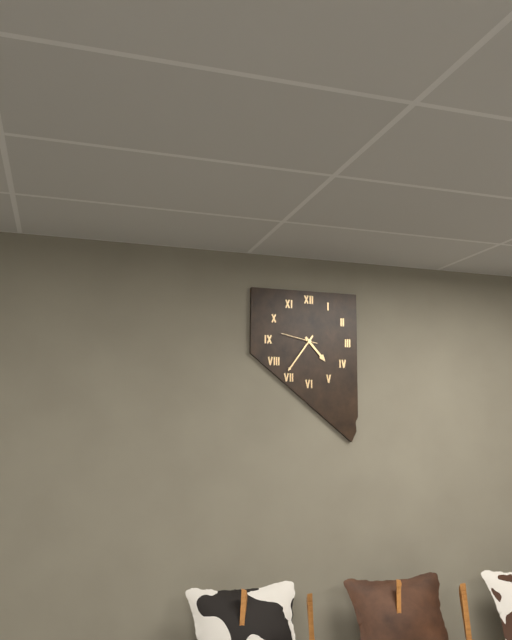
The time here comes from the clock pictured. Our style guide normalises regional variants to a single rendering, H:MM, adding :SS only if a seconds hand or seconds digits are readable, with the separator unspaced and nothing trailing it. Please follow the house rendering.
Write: 4:36
